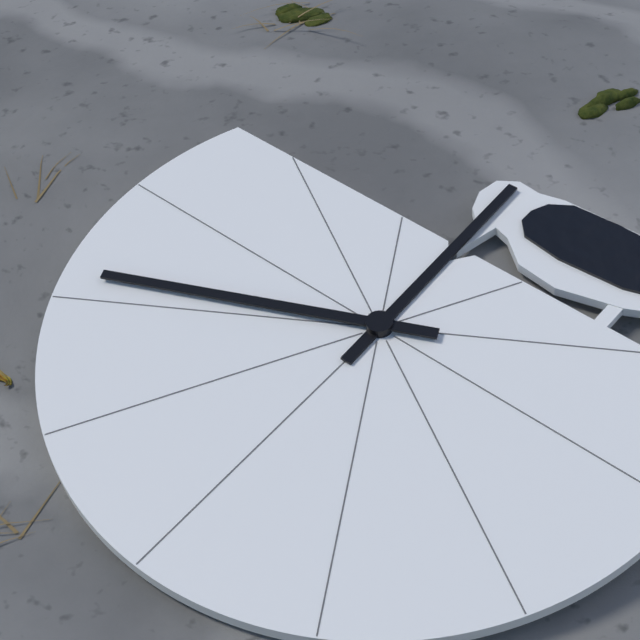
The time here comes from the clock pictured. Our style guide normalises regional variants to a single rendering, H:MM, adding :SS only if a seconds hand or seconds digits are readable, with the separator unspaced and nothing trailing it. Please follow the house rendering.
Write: 2:56
